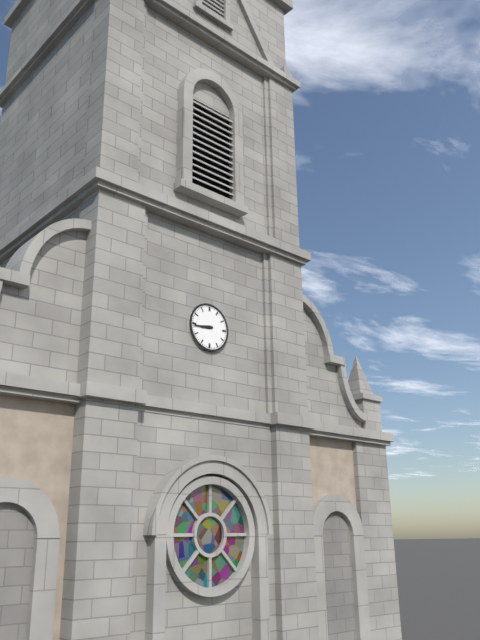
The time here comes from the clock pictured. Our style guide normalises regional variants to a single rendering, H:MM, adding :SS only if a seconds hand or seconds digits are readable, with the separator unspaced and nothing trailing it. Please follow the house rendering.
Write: 8:44
